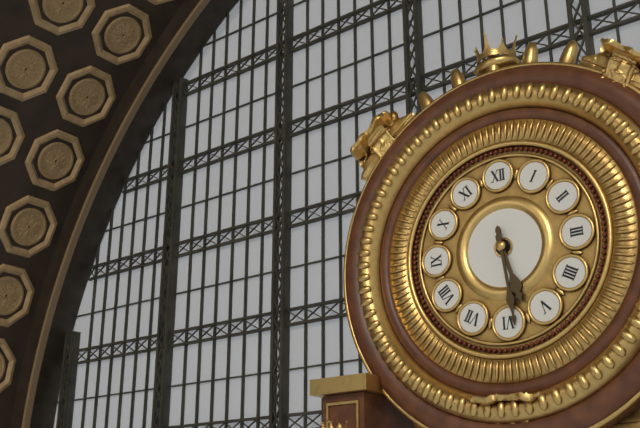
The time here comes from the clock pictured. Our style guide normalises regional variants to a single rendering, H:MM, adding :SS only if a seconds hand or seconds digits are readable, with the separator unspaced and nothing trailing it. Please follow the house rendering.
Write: 5:29
